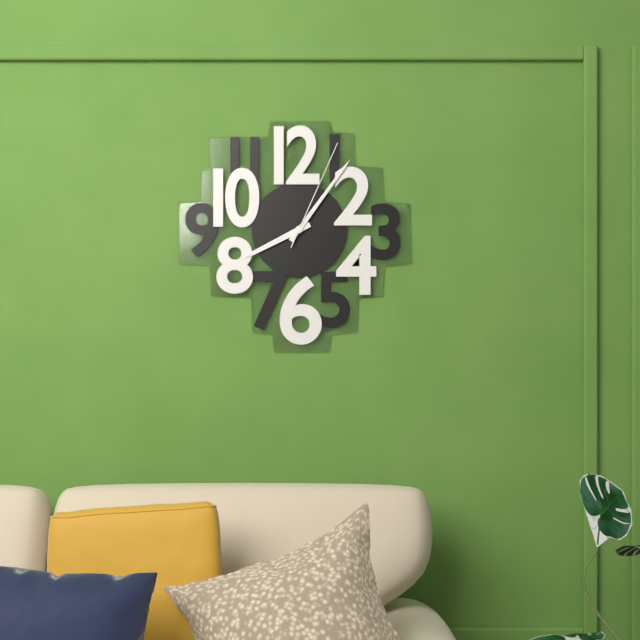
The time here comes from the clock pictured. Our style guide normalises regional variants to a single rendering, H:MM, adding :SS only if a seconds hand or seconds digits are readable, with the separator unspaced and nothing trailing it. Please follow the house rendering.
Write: 8:06:04
